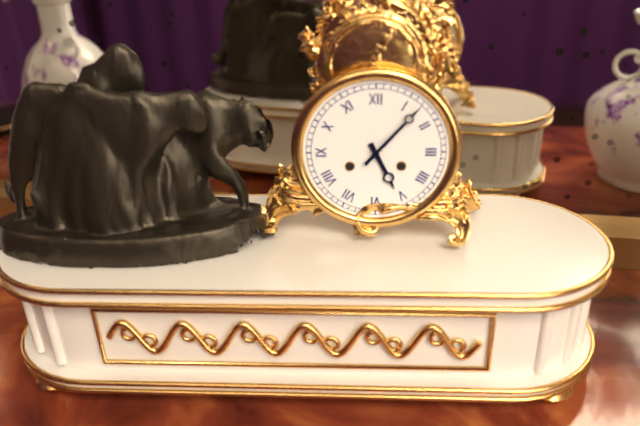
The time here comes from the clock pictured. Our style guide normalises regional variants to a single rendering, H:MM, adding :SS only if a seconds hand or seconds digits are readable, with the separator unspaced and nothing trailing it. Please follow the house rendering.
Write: 5:07
